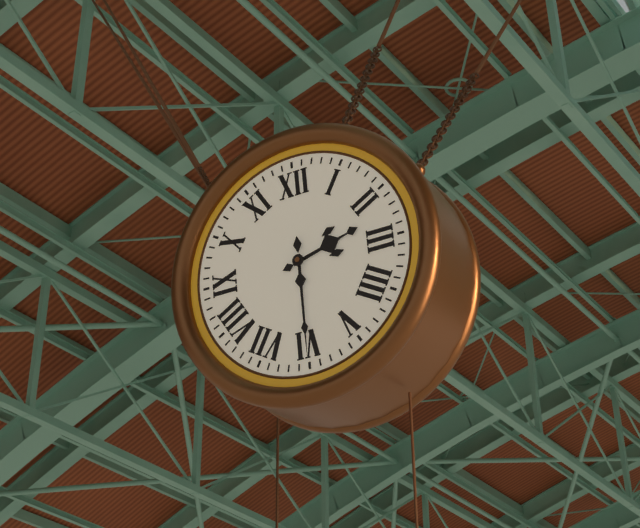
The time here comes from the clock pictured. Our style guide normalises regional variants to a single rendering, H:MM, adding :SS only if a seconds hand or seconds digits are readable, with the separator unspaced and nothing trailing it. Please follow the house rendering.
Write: 2:30
